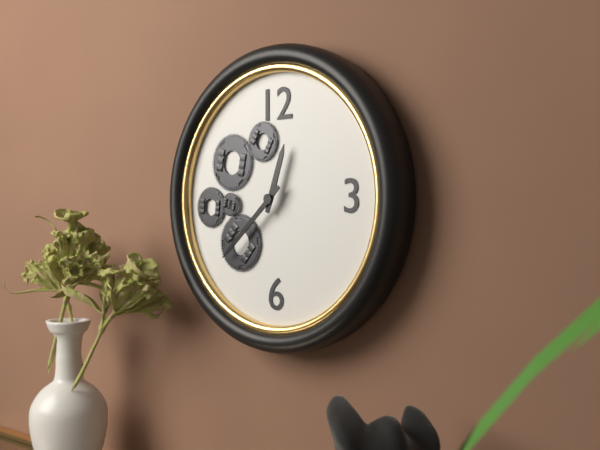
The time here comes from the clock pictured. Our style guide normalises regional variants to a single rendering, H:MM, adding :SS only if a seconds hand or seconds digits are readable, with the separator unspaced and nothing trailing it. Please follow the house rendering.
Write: 12:38
